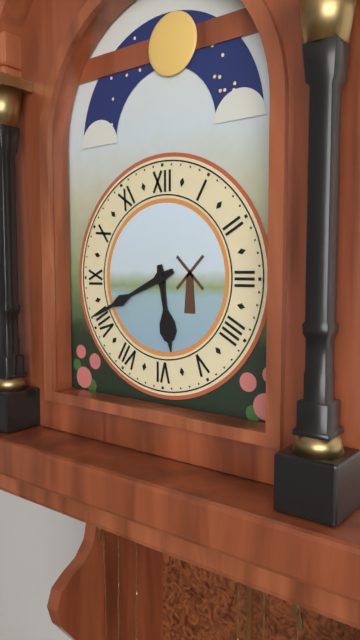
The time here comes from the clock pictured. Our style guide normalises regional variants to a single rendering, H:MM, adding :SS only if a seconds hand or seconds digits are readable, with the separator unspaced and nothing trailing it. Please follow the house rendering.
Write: 5:41
